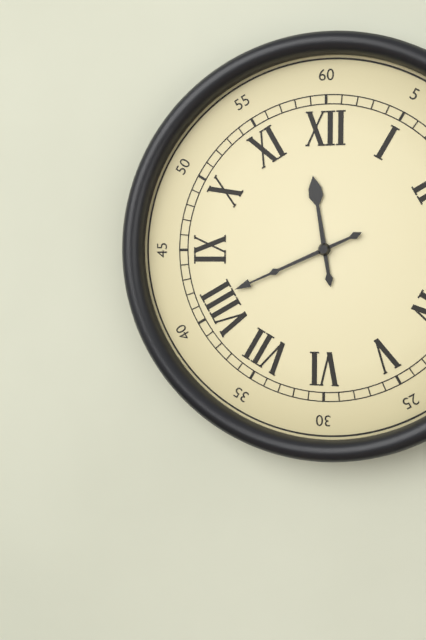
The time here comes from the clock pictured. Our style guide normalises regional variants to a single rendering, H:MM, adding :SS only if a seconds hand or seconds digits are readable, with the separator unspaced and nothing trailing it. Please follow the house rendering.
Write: 11:41
